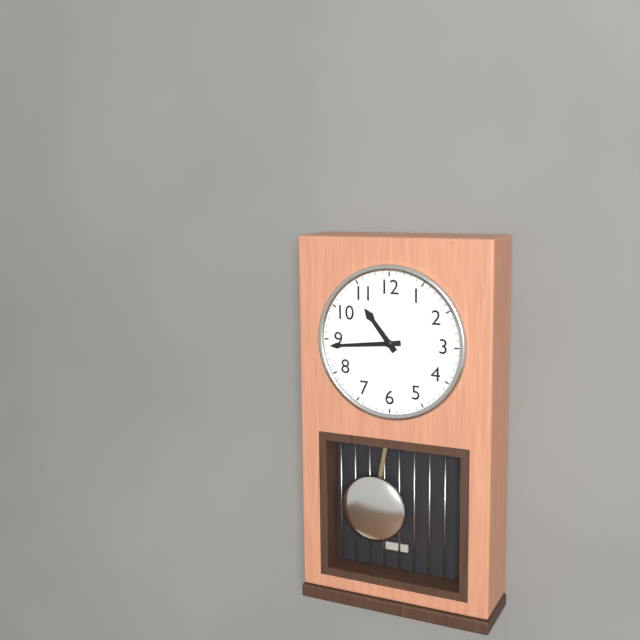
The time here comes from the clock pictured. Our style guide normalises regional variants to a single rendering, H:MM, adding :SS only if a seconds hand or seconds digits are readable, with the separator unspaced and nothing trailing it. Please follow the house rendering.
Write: 10:44
